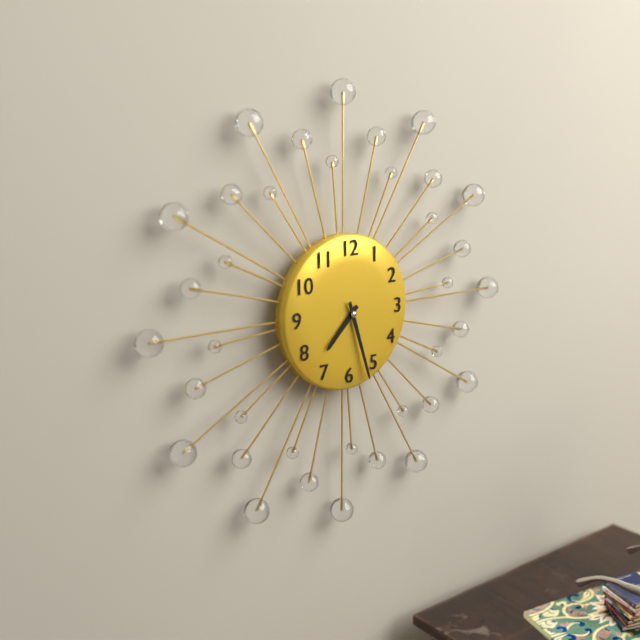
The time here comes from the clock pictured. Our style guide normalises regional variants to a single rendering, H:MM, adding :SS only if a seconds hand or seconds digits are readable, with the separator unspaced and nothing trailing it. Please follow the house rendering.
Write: 7:27
